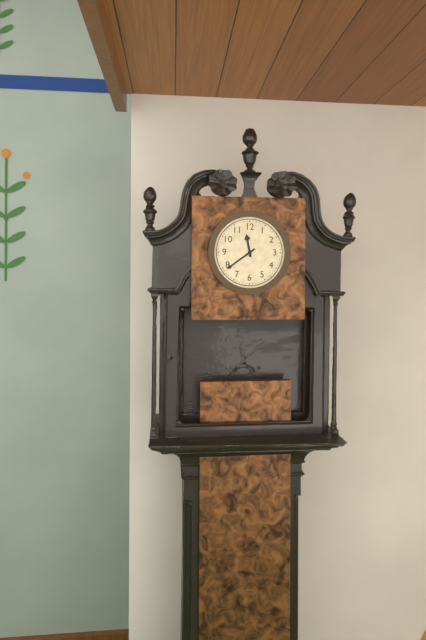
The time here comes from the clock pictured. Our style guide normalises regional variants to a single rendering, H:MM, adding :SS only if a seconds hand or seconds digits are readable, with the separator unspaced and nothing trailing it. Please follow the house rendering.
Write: 11:39
